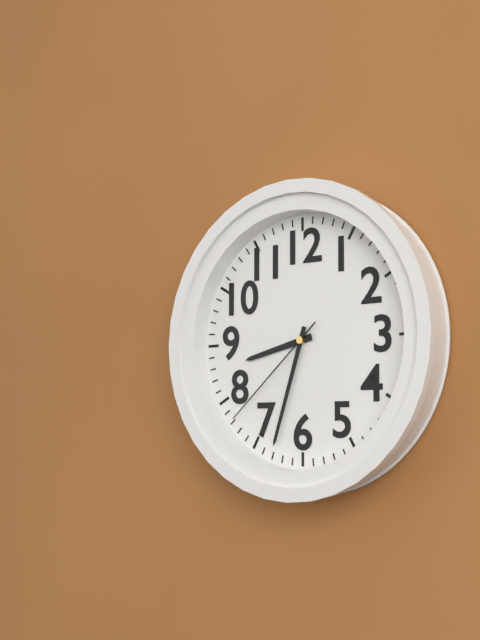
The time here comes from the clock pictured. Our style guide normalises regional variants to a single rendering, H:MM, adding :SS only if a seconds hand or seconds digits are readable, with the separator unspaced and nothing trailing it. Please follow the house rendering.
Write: 8:33:38
